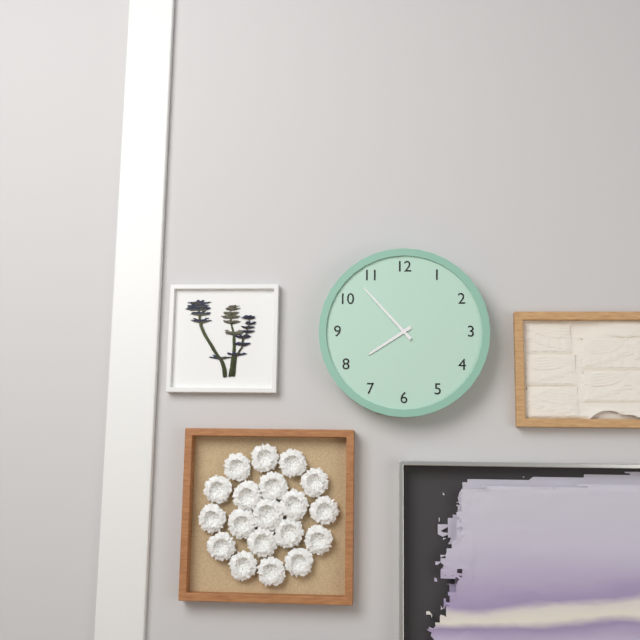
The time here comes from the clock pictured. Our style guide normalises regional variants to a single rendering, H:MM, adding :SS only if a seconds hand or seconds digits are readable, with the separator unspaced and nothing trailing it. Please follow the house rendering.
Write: 7:53
